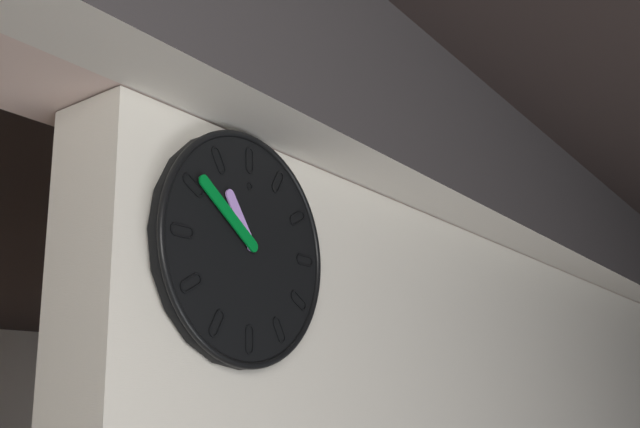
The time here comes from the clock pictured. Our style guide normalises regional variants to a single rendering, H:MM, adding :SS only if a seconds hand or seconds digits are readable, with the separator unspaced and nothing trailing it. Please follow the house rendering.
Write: 10:51
